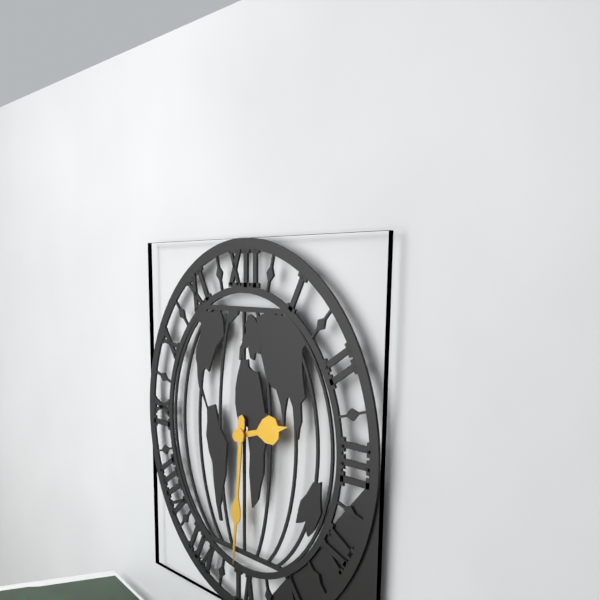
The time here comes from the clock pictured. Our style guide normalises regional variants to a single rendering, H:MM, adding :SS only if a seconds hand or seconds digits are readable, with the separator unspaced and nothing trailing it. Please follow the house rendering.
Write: 2:31
